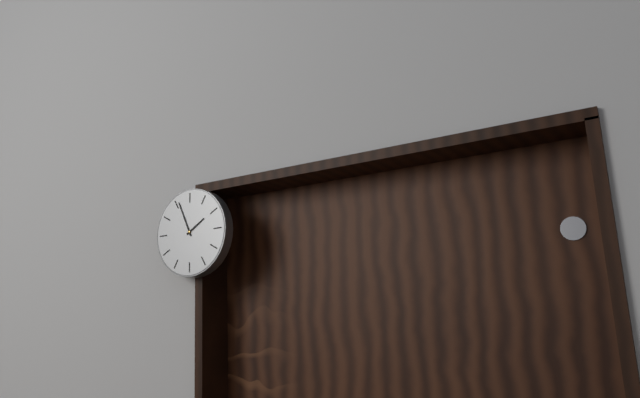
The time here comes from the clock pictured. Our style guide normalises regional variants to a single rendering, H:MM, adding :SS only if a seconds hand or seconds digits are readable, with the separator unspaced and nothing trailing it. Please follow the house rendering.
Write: 1:56
